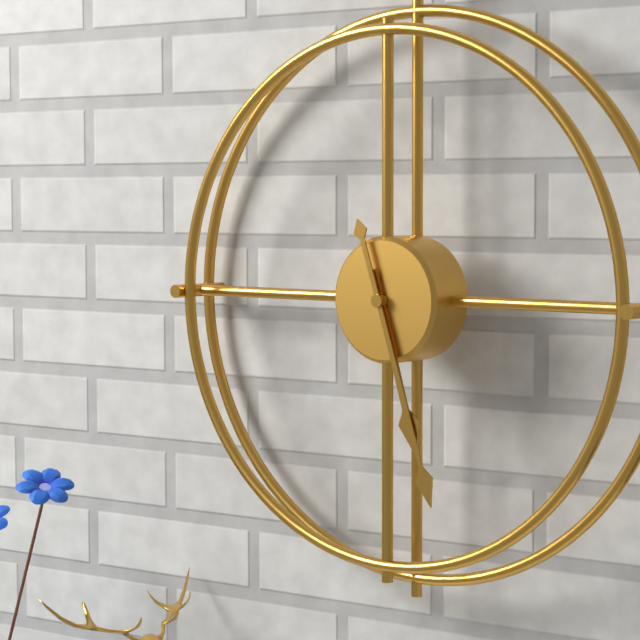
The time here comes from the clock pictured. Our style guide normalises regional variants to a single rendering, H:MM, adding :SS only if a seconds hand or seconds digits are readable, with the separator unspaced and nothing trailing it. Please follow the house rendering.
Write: 5:27
